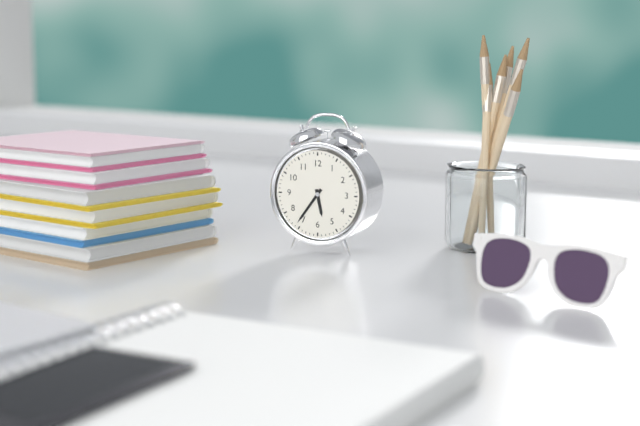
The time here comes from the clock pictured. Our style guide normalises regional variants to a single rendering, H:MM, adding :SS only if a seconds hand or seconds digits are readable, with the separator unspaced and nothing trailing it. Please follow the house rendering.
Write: 5:36
